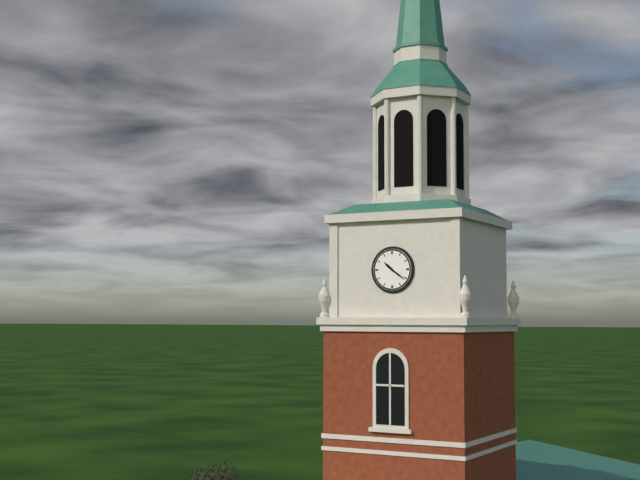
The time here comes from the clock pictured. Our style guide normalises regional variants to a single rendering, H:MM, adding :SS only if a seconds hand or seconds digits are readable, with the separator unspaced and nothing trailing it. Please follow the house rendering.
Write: 10:21
